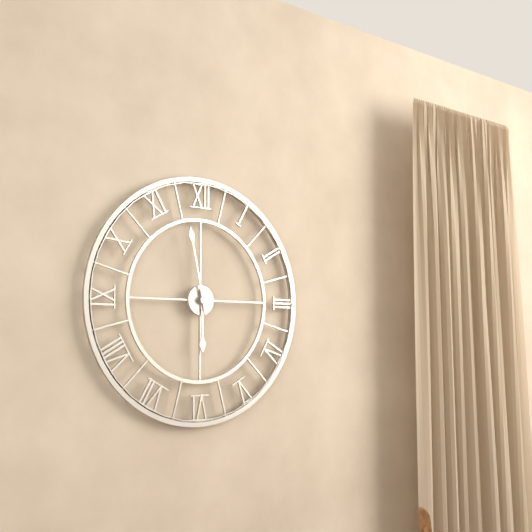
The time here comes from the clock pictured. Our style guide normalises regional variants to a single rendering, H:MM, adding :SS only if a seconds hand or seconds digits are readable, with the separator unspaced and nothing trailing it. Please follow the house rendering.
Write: 5:58
